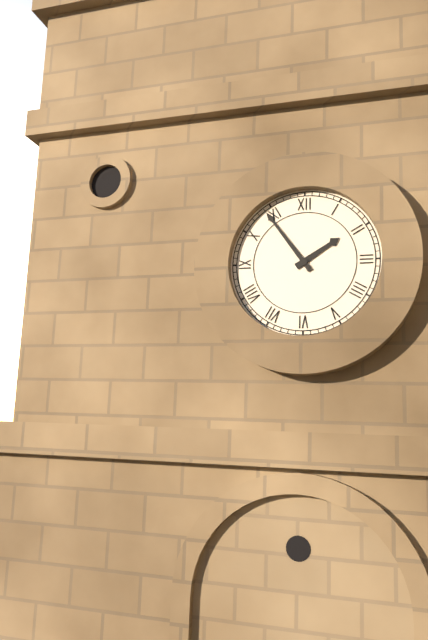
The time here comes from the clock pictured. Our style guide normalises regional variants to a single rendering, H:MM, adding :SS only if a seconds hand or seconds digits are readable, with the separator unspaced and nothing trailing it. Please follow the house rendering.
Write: 1:54
